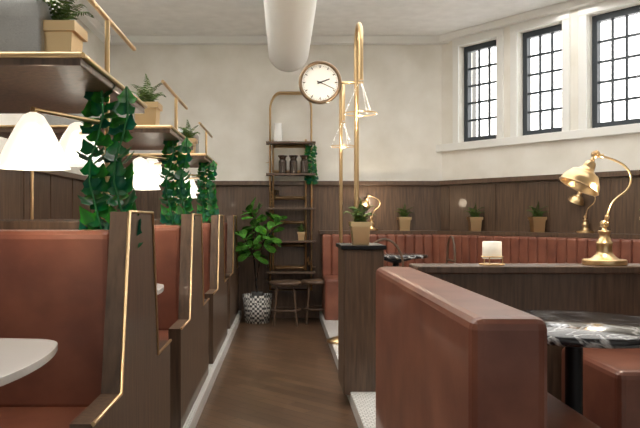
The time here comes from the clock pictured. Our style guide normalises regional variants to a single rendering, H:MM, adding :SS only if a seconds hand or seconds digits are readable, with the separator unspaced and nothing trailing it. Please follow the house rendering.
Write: 2:19
